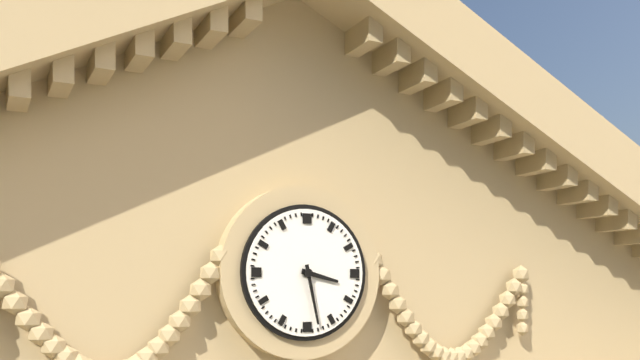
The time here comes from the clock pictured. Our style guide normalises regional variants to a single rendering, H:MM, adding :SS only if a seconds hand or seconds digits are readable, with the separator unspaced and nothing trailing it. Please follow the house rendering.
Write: 3:28
